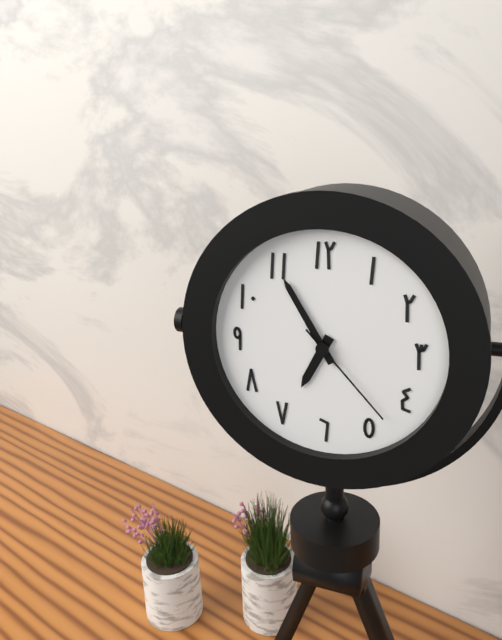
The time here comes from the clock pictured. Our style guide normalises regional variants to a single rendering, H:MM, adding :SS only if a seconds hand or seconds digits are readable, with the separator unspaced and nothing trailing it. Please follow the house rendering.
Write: 6:55:23
